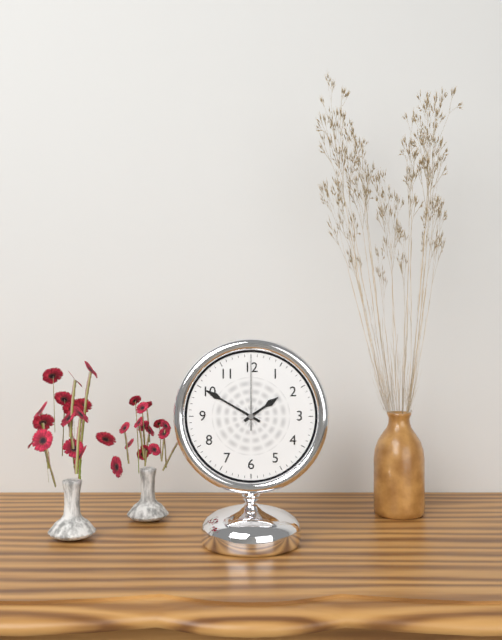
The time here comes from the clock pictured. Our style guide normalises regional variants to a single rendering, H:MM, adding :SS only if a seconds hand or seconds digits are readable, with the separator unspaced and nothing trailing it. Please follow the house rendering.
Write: 1:50:00
